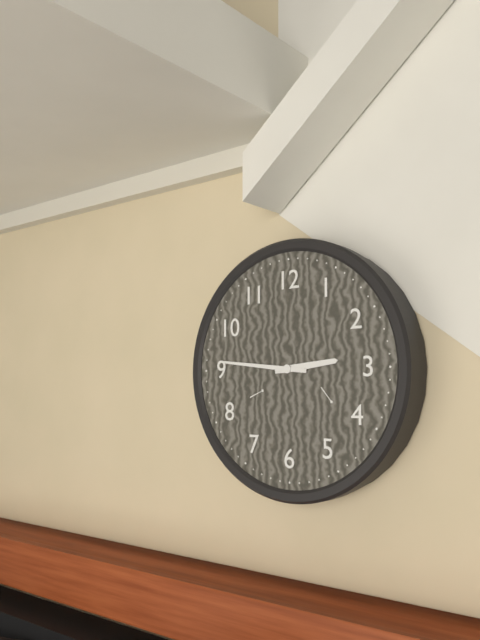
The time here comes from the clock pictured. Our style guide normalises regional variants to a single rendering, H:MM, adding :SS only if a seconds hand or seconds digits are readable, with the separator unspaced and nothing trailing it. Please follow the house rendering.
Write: 2:46
